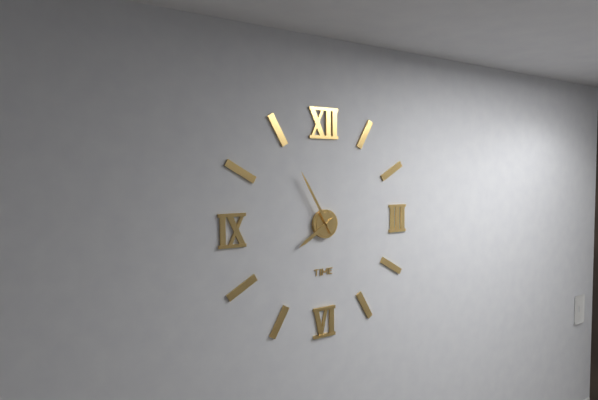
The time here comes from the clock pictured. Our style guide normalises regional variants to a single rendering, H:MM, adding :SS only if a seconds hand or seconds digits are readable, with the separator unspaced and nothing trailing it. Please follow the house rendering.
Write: 7:55
